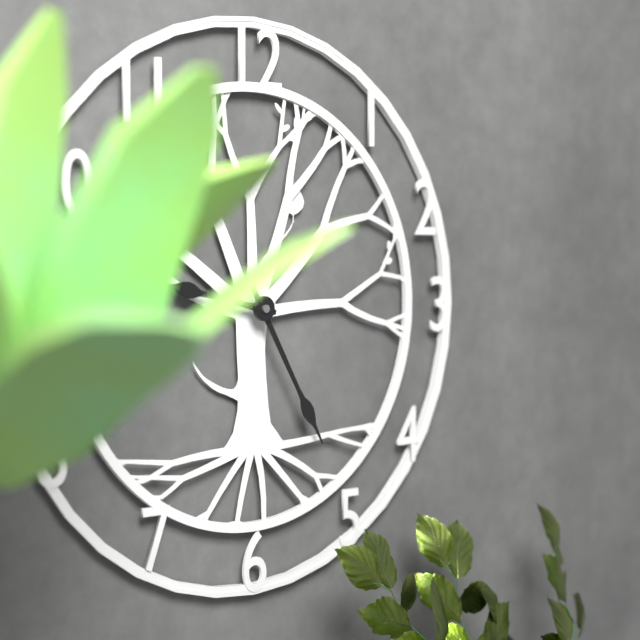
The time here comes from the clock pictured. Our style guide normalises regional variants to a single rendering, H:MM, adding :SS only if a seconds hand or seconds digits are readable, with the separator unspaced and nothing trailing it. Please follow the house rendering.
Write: 9:25
